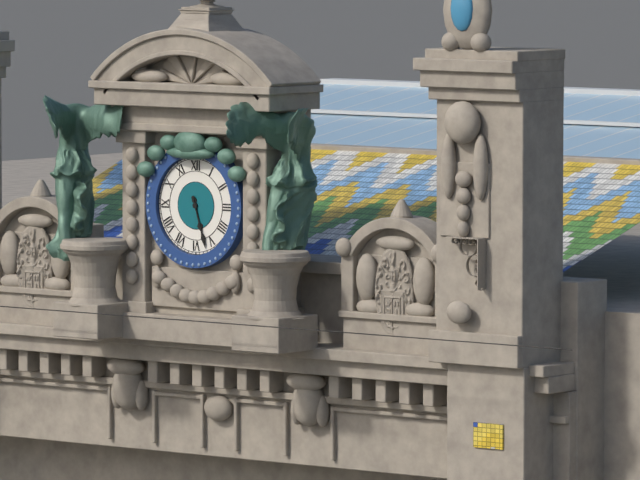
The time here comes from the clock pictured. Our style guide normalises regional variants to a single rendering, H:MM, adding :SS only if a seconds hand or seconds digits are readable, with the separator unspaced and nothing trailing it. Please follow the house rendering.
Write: 5:27
